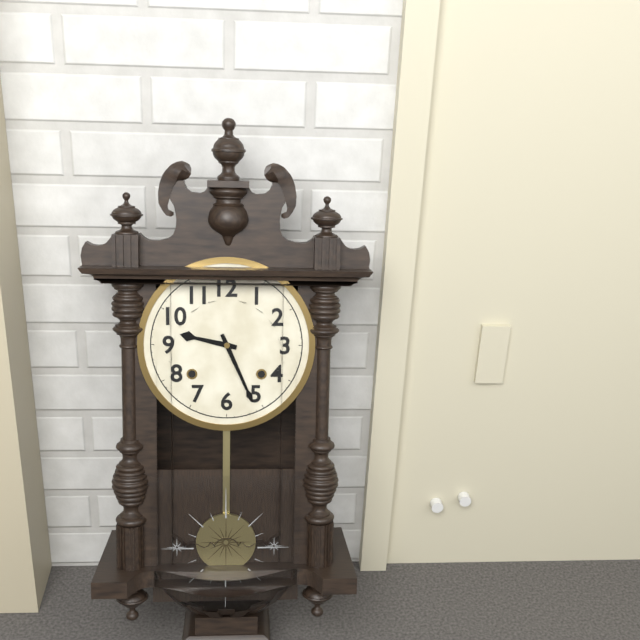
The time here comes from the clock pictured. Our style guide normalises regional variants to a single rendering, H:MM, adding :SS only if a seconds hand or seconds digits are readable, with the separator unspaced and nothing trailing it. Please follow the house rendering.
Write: 9:26
